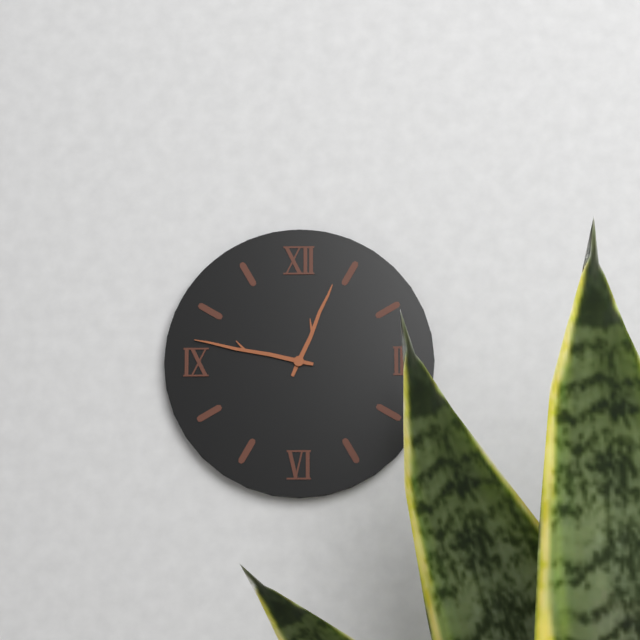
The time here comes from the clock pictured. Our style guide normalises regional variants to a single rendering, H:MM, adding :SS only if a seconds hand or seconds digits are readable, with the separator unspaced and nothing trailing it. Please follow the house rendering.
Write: 12:47
